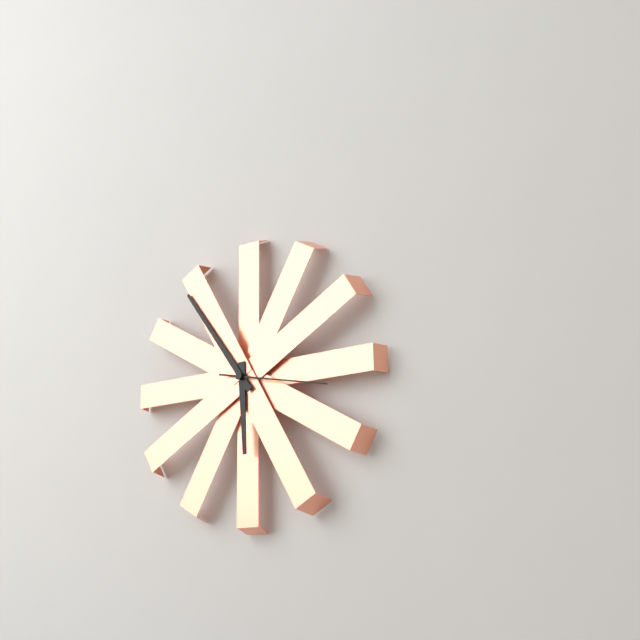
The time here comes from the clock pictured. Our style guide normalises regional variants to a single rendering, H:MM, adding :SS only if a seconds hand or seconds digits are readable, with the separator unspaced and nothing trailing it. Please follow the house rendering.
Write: 5:54:17
